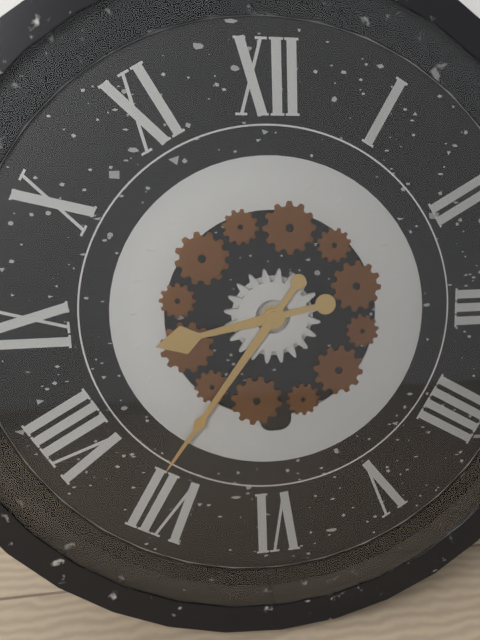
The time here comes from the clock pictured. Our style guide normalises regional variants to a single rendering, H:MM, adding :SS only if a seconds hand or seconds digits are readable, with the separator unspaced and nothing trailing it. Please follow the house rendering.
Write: 8:36
